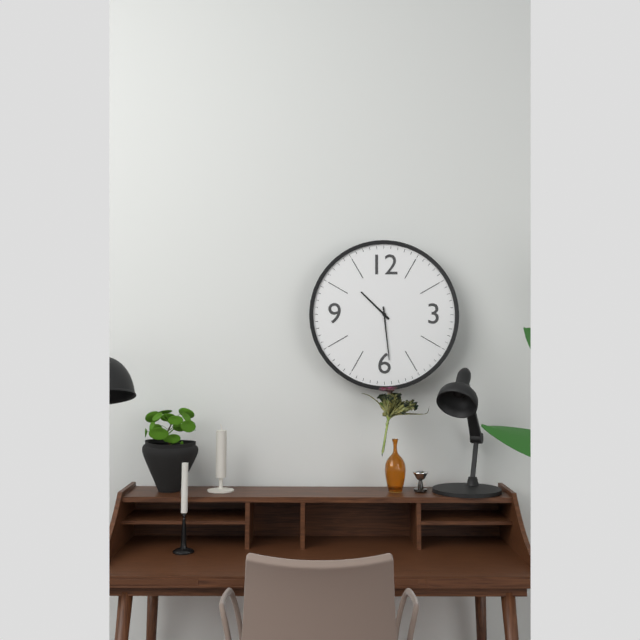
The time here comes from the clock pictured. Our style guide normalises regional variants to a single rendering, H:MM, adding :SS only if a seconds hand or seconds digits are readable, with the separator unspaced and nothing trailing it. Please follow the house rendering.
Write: 10:29
